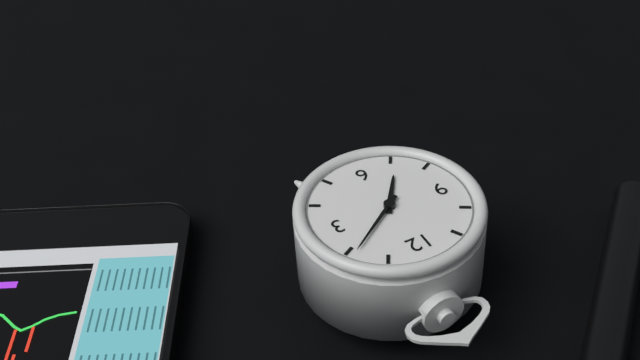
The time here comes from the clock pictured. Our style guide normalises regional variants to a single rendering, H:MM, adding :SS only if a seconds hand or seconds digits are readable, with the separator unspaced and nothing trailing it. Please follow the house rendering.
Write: 7:09
